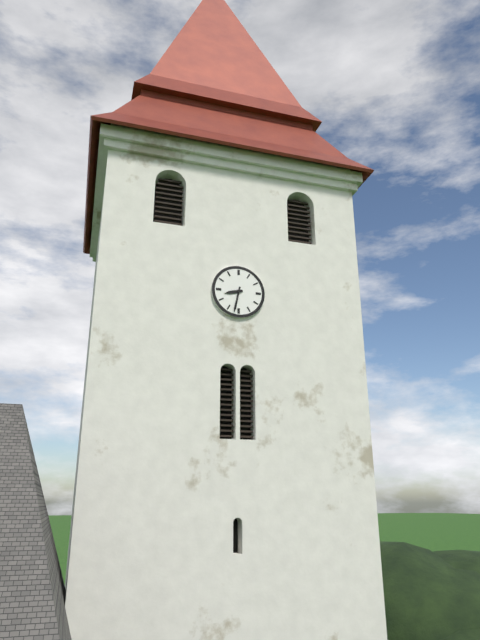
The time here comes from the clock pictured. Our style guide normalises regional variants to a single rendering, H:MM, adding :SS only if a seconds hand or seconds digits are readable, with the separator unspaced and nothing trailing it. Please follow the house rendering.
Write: 8:32
